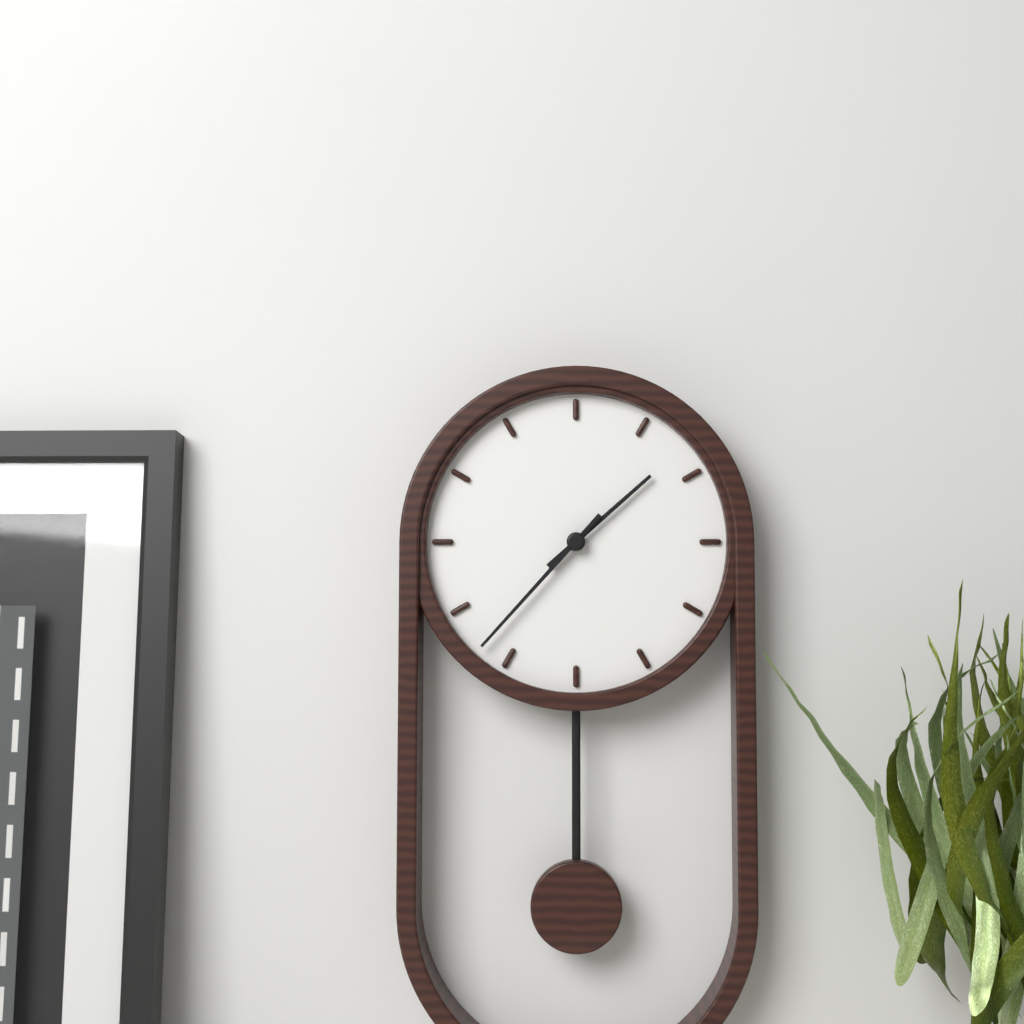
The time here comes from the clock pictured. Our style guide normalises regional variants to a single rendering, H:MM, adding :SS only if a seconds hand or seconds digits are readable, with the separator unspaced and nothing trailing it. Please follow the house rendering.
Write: 1:37
